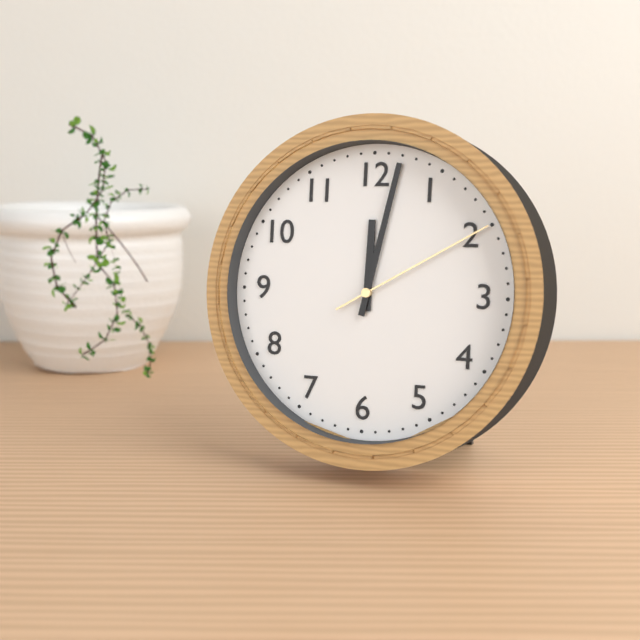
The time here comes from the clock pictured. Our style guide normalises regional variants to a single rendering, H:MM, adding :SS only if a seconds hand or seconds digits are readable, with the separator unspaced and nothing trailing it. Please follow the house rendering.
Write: 12:02:10
